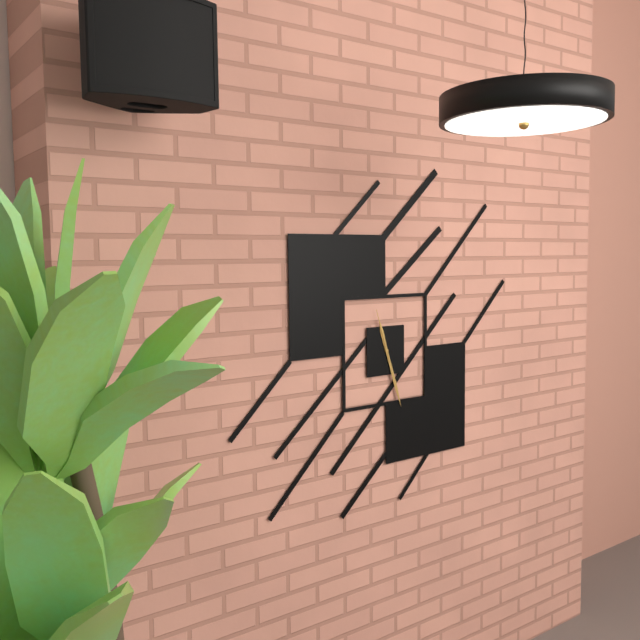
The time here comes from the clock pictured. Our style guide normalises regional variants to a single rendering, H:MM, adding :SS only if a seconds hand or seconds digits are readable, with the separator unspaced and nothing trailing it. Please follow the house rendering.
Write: 11:27:57
